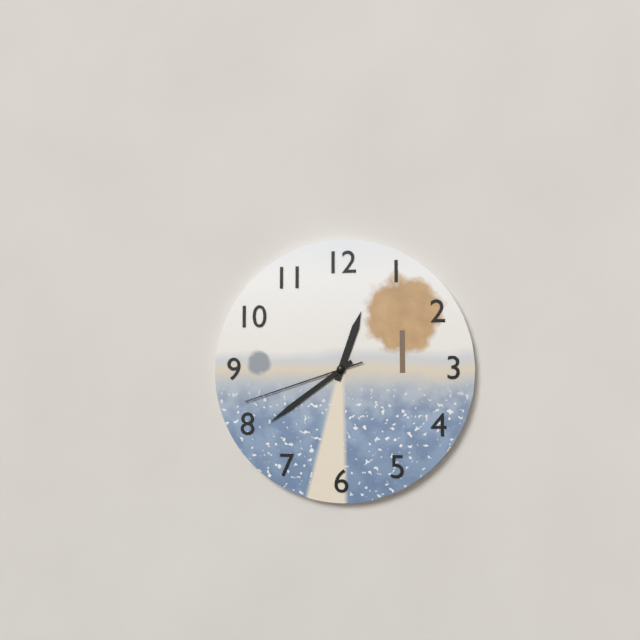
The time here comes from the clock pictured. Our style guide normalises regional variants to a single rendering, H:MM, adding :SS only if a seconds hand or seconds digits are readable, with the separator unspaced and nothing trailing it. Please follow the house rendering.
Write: 12:39:42
